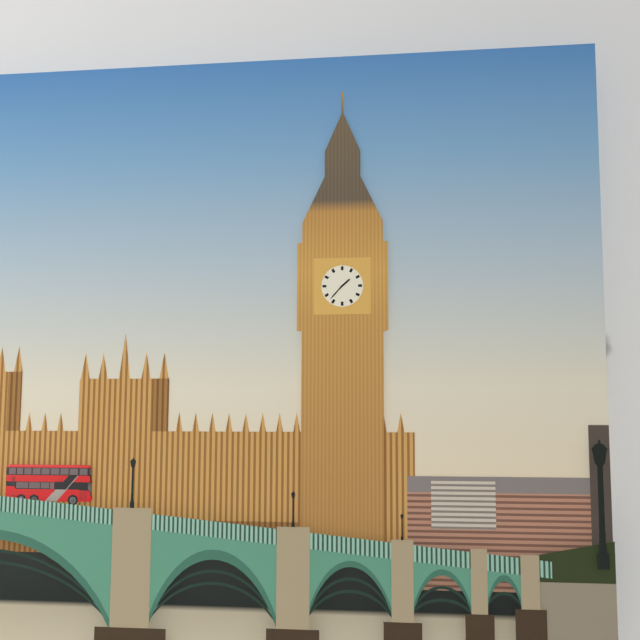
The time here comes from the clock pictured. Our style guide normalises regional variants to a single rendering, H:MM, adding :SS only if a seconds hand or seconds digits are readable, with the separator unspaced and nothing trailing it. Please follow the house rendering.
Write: 1:37
